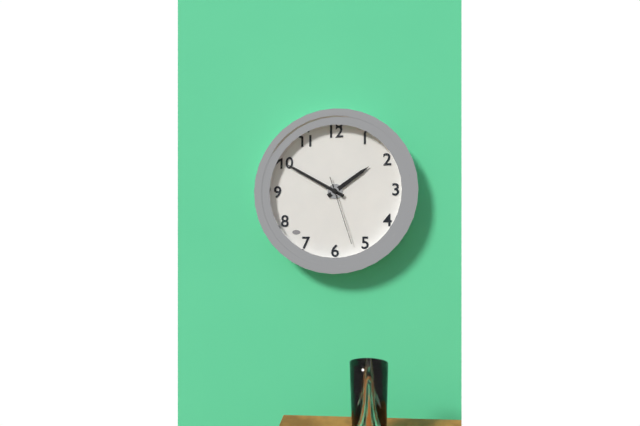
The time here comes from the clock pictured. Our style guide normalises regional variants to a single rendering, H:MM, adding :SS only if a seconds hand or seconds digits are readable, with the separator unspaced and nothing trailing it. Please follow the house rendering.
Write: 1:50:27
